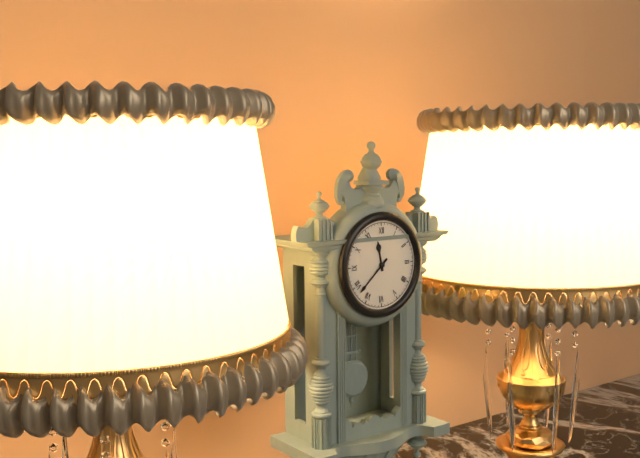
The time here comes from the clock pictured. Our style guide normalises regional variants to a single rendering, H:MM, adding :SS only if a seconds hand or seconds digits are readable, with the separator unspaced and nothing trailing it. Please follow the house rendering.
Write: 11:38
